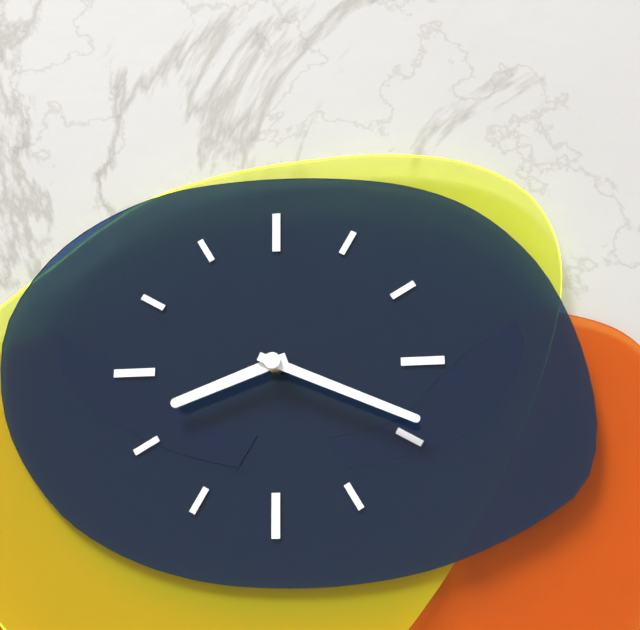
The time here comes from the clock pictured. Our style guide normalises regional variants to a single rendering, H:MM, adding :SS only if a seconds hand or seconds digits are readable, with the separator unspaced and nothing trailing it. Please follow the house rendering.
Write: 8:19
